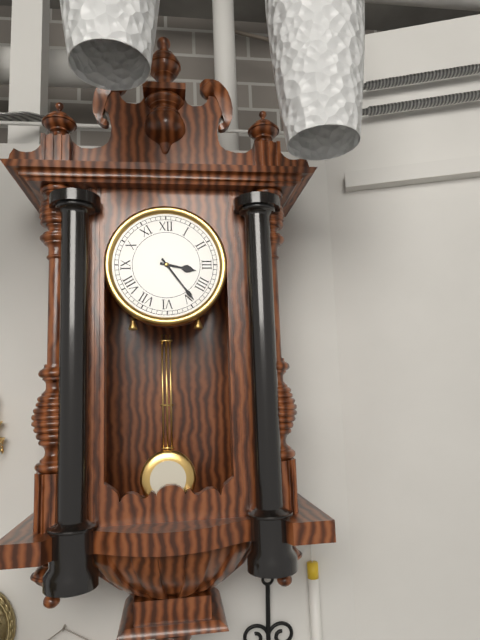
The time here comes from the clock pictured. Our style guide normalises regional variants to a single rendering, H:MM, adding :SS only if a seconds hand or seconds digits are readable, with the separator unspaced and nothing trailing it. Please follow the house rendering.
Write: 3:24
